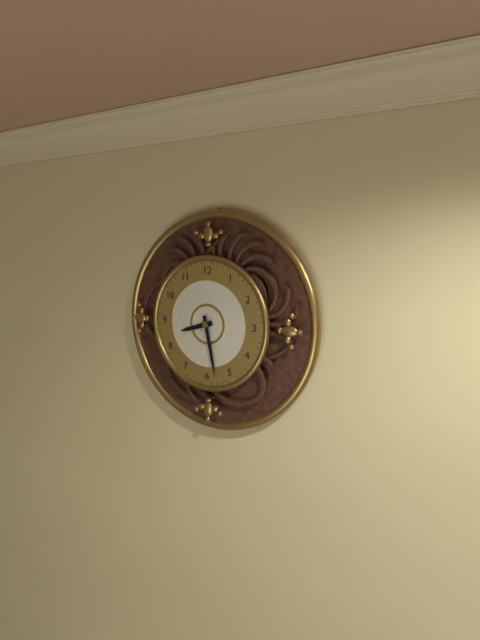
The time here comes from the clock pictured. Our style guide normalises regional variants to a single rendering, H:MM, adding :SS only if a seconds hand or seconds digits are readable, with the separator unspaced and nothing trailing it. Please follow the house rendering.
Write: 8:28
